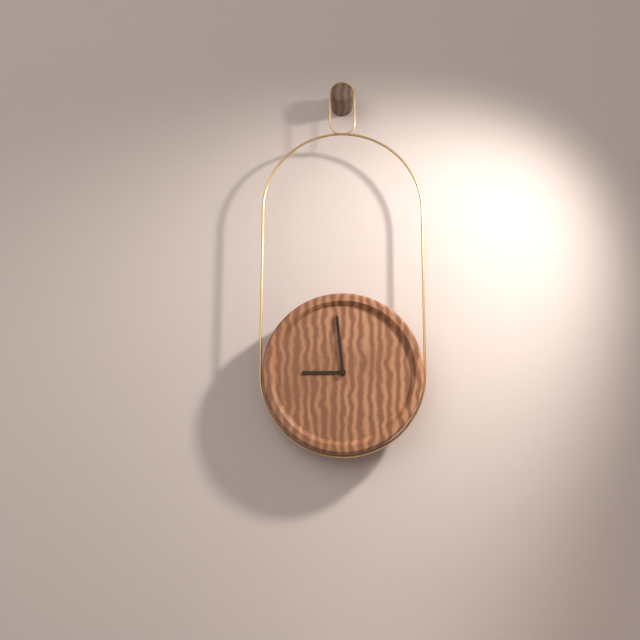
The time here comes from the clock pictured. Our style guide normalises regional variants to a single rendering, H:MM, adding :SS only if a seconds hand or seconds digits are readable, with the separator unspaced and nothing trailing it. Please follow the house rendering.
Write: 8:59
